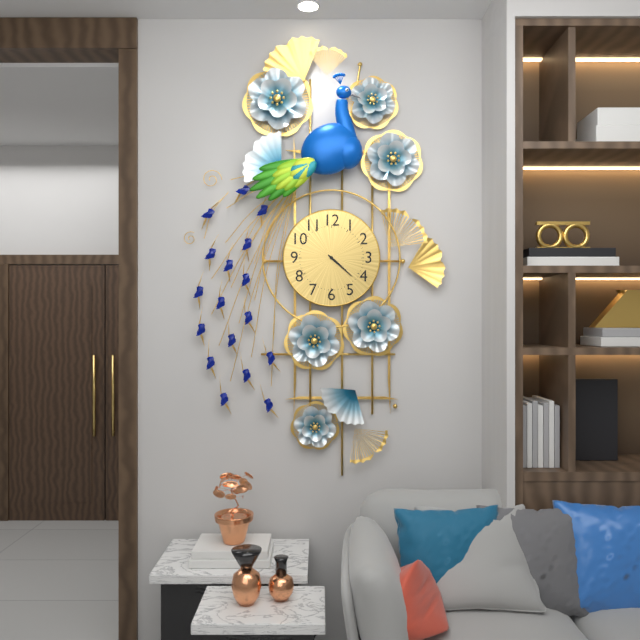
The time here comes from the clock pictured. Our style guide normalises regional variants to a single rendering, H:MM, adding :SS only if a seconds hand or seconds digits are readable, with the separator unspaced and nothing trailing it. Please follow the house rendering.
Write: 4:22
